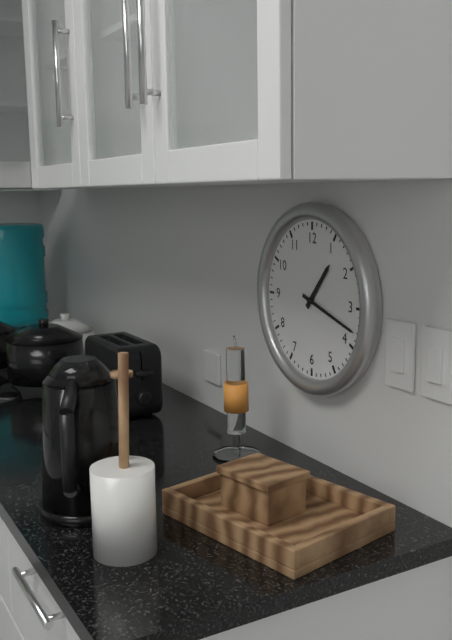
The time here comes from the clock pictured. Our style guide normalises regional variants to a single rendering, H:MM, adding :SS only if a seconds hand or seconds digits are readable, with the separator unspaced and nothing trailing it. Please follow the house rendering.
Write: 1:18
